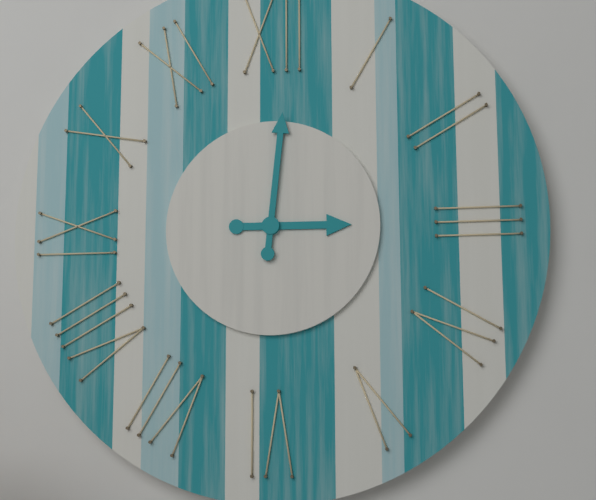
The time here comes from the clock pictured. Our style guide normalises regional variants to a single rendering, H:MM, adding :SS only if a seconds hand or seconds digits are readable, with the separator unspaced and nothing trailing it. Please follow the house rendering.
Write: 3:01
